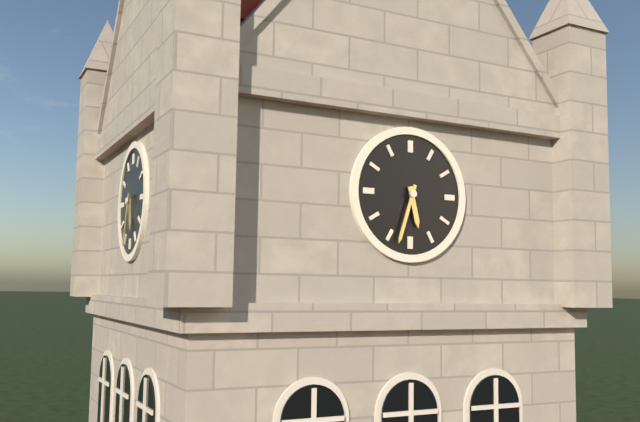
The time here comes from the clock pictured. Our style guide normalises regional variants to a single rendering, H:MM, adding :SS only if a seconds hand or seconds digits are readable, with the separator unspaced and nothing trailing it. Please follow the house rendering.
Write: 5:33
